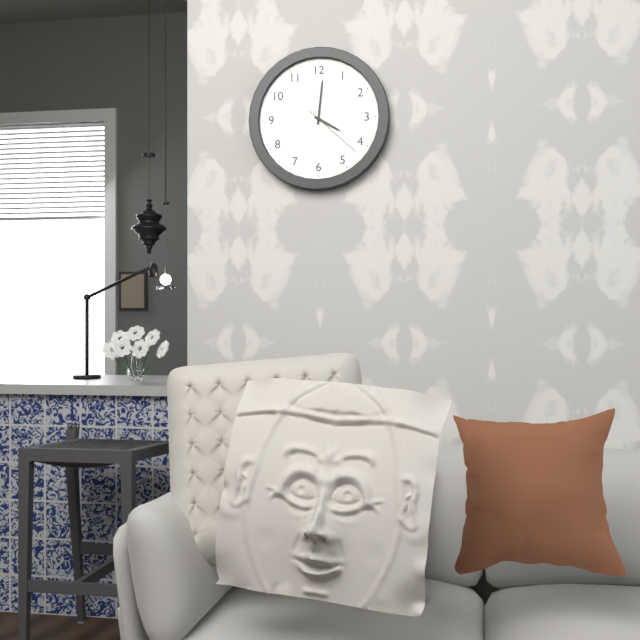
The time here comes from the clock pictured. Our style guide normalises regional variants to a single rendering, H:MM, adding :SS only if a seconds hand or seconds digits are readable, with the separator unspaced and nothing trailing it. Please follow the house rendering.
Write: 4:01:22
